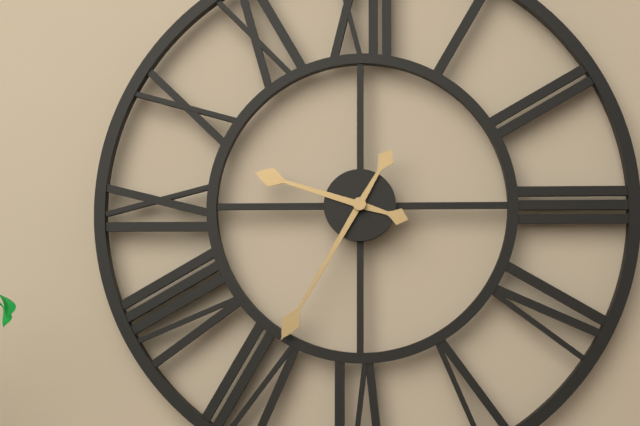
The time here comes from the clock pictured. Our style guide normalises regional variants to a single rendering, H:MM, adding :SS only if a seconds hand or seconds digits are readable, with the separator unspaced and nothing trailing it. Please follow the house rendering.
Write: 9:35
